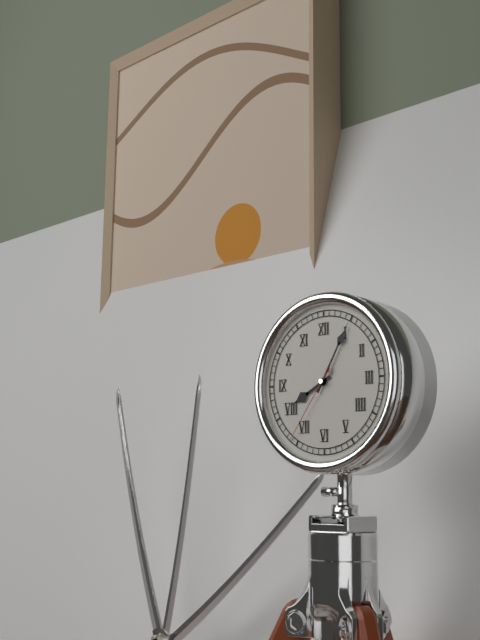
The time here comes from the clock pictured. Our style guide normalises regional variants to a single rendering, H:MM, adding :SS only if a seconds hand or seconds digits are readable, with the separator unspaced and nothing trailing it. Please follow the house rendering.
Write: 8:05:36
